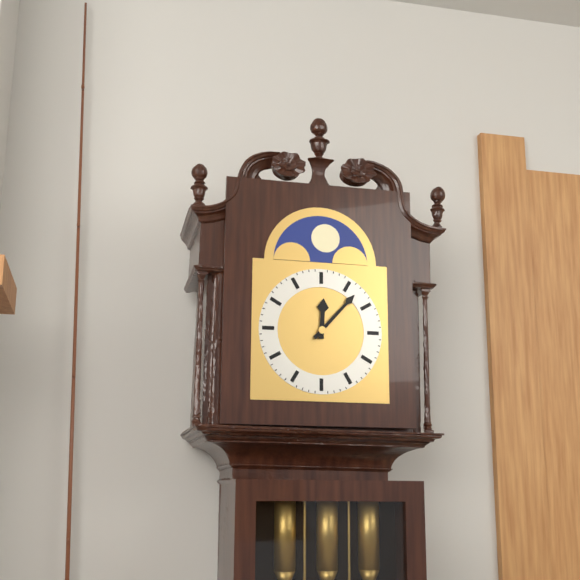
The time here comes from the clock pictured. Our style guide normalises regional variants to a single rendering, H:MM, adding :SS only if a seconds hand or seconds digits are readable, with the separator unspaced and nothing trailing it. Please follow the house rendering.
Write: 12:07
